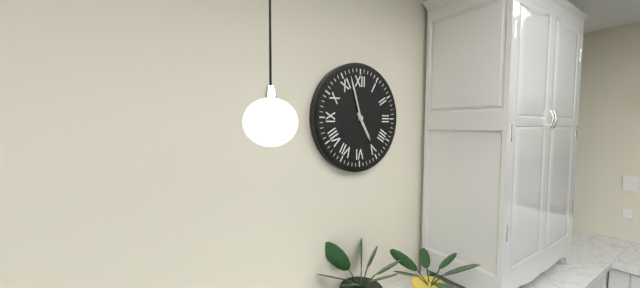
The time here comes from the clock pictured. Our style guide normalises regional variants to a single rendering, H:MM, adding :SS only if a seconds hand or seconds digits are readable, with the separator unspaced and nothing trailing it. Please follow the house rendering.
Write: 4:57
